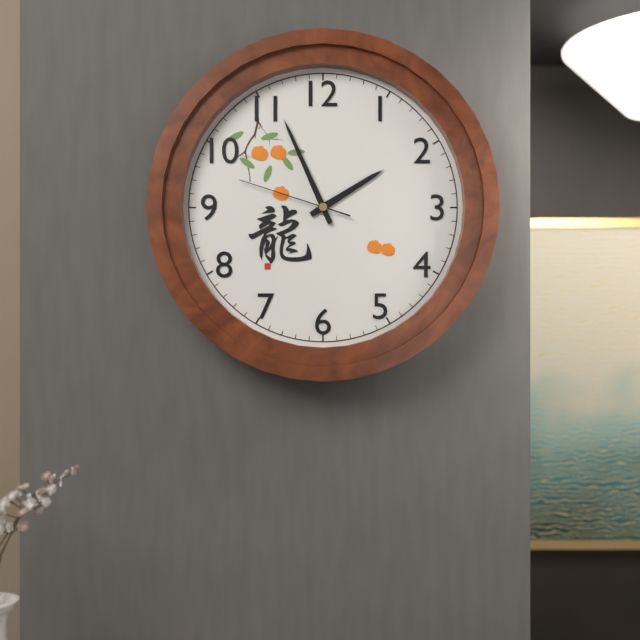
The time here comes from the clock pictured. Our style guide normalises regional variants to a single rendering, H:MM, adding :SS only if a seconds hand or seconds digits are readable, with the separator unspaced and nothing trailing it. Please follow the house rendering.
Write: 1:56:48
